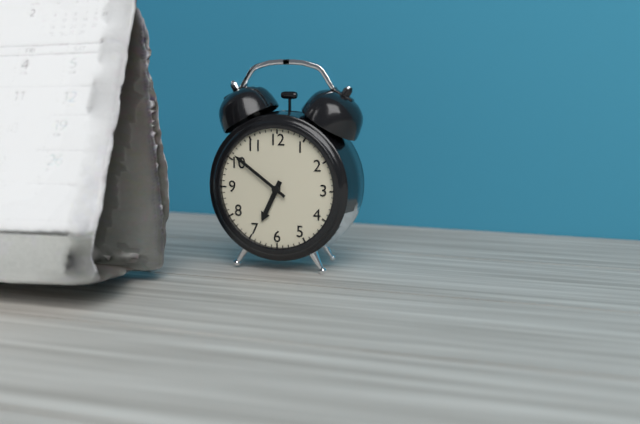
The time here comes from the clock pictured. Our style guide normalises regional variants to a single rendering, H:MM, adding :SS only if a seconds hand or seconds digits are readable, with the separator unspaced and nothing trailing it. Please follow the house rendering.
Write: 6:51
